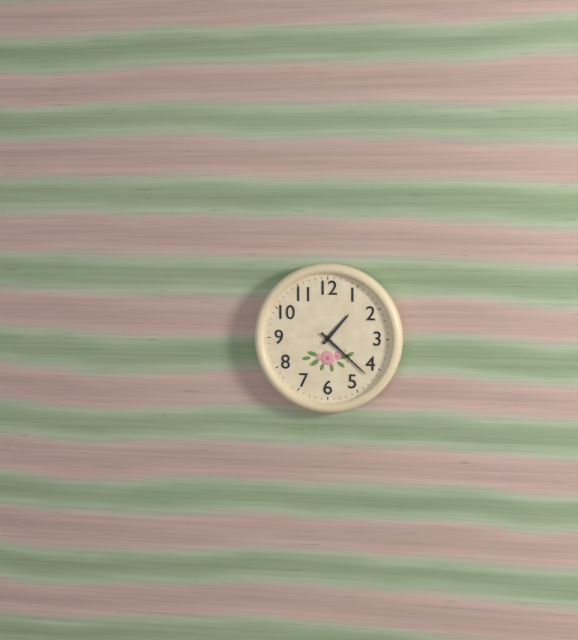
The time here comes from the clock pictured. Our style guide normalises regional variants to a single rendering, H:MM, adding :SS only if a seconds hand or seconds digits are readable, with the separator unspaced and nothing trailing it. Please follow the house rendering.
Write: 1:22
